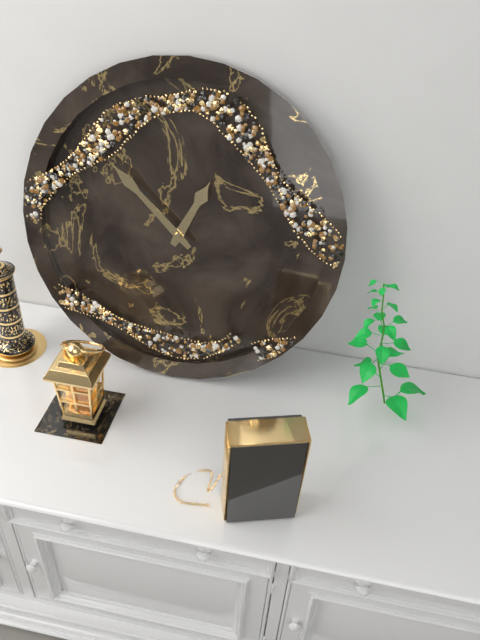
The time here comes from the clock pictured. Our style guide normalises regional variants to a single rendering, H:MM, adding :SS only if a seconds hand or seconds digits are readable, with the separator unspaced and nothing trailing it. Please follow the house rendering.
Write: 12:52
